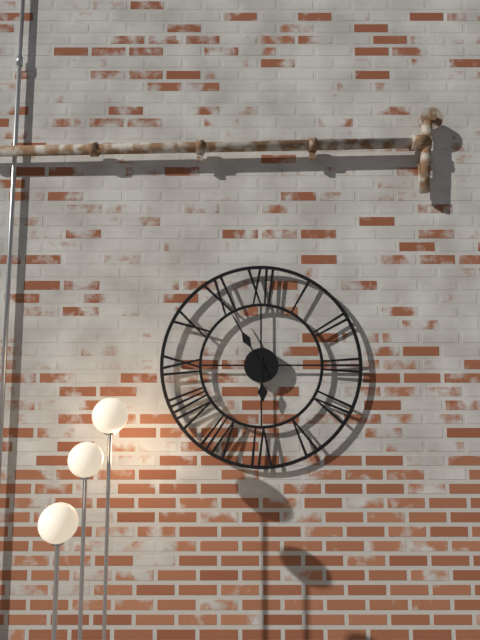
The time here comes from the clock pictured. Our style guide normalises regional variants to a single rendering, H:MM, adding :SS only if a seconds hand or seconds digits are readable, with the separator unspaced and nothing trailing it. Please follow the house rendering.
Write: 5:55
